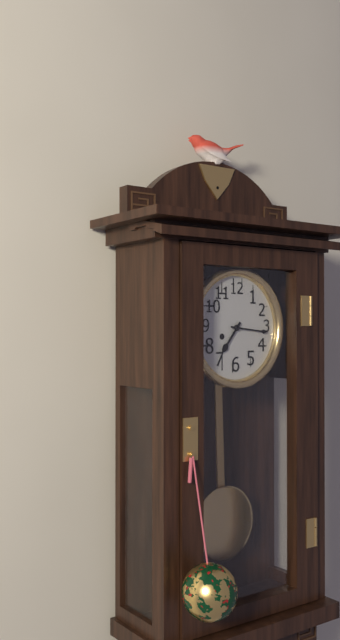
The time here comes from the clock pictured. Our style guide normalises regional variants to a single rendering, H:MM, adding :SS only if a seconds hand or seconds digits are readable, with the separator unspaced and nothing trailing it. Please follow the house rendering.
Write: 7:16
